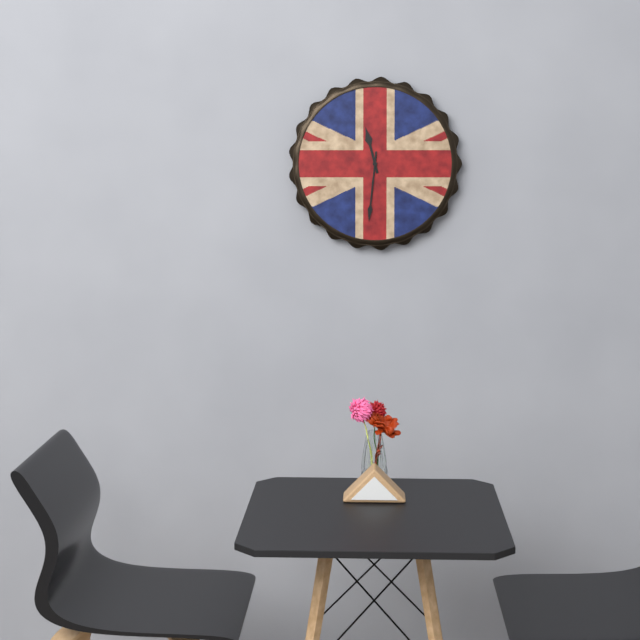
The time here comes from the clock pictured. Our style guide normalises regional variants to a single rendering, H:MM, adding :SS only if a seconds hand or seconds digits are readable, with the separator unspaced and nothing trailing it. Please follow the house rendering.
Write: 11:31
